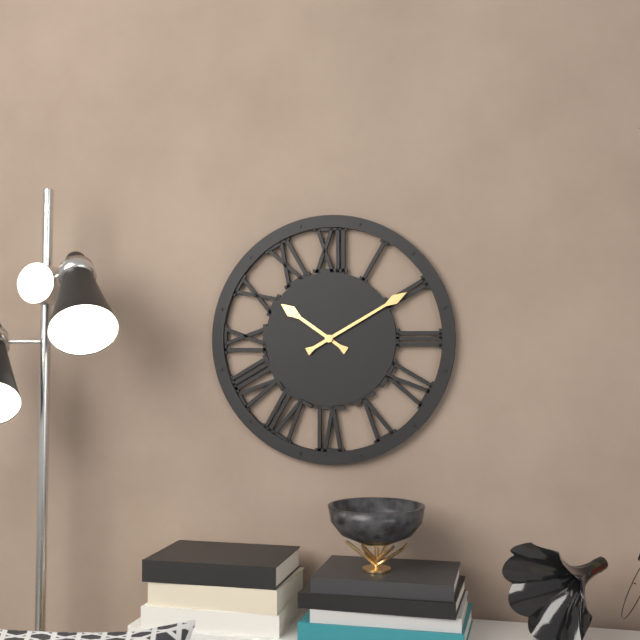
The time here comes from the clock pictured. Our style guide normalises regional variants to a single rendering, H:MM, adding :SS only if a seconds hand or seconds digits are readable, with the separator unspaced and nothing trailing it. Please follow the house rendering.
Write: 10:10
